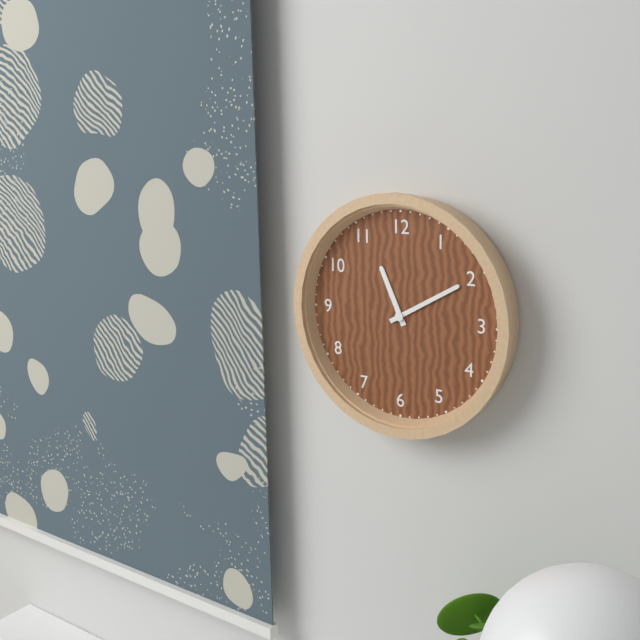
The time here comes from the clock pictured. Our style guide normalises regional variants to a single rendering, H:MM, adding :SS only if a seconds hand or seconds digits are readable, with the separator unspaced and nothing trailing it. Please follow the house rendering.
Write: 11:10
